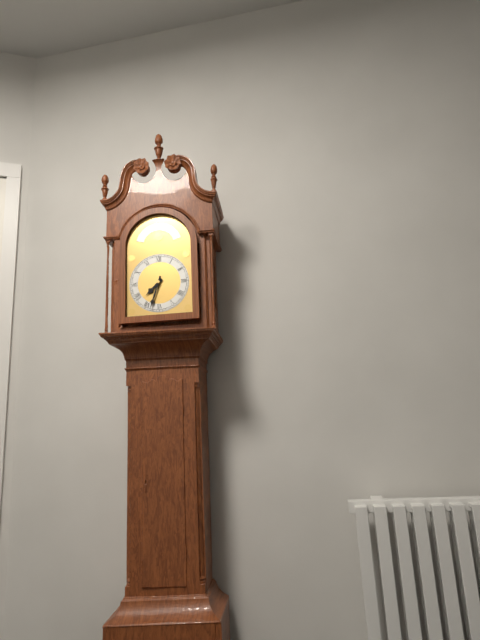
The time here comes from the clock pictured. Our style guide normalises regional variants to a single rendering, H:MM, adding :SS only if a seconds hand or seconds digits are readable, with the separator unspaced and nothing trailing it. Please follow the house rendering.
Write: 7:33
